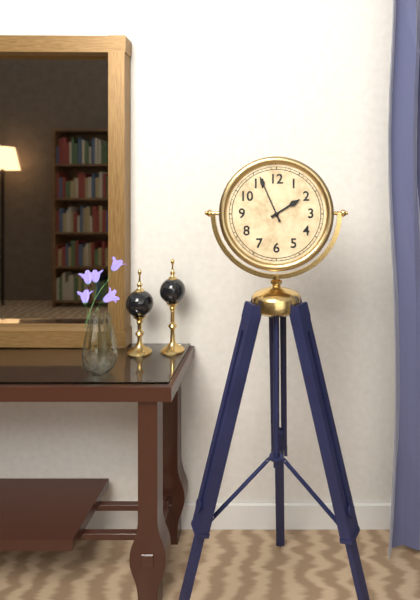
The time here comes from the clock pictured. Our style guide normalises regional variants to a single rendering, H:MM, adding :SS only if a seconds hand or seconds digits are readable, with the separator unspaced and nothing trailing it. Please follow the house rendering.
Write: 1:56
